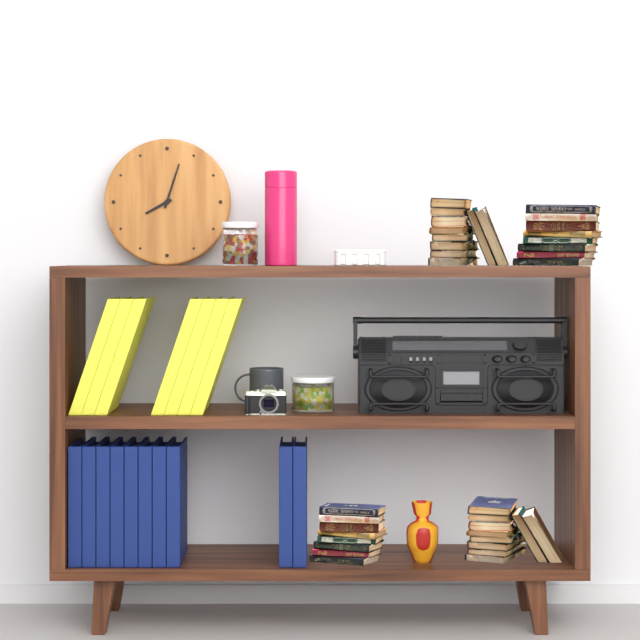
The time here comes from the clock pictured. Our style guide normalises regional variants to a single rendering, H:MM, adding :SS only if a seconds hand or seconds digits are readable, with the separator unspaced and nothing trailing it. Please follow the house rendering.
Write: 8:03
